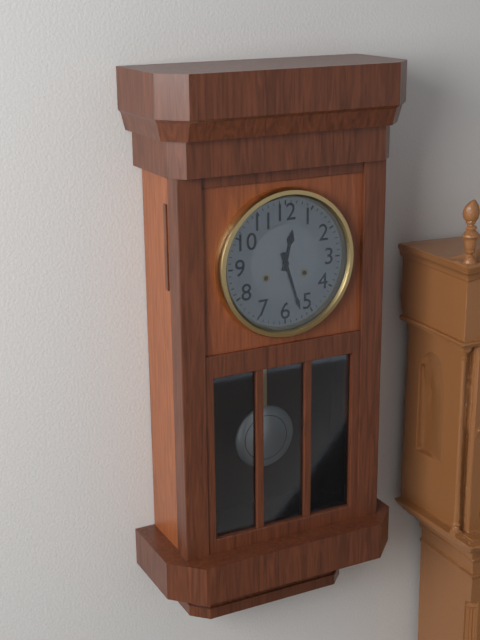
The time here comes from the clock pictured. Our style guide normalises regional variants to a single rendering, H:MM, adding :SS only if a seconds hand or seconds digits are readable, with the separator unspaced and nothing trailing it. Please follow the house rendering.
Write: 12:27
